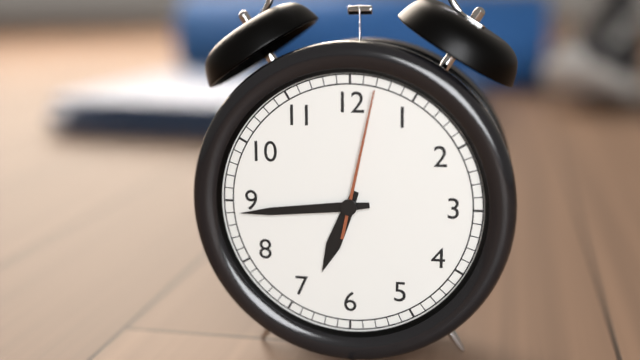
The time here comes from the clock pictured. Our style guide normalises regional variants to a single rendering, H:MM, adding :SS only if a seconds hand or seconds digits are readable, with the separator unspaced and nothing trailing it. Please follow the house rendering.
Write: 6:44:02
